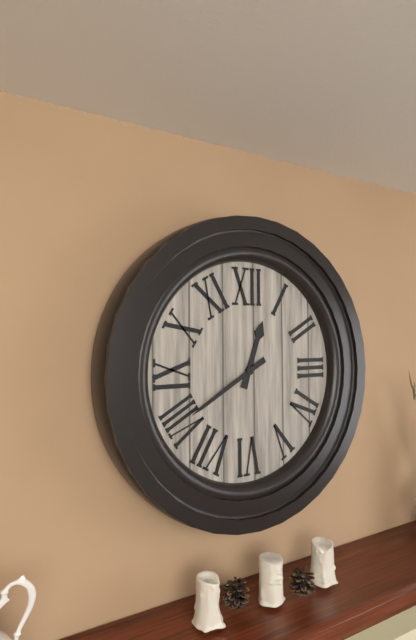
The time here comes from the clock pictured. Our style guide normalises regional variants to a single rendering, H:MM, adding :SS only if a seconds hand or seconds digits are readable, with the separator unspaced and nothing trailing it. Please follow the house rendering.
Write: 12:40
